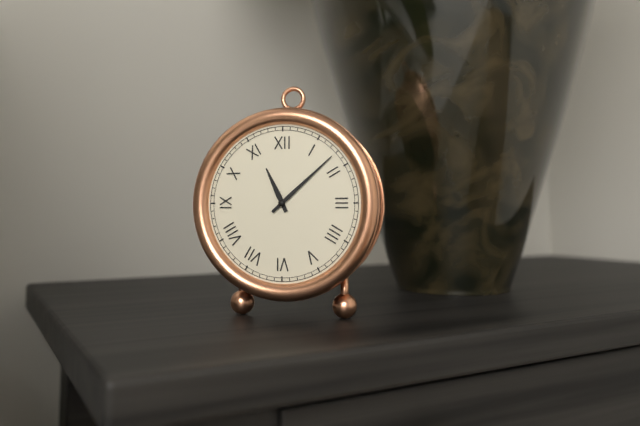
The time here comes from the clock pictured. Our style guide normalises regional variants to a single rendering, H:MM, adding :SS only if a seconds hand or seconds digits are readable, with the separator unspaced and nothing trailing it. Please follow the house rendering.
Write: 11:08
